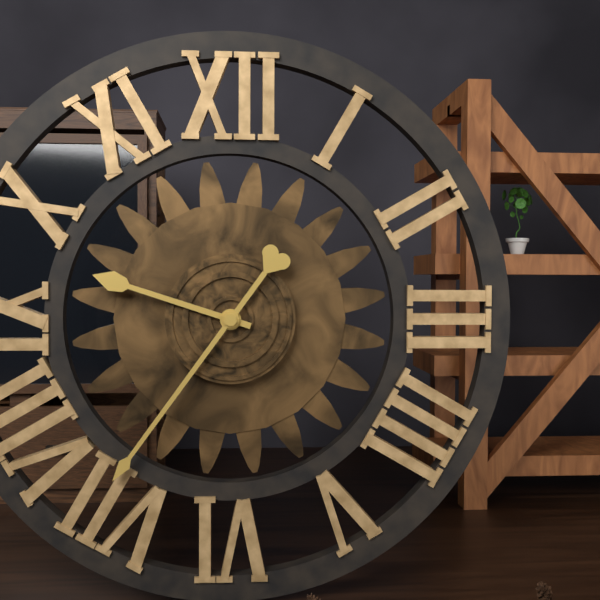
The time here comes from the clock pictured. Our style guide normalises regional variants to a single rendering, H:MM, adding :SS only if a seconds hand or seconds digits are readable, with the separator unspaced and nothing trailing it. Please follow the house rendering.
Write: 9:36
